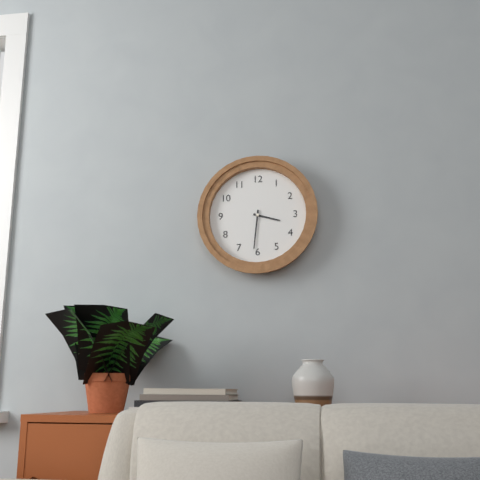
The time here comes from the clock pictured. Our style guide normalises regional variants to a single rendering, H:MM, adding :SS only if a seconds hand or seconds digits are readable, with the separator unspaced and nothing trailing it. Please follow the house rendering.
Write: 3:31
